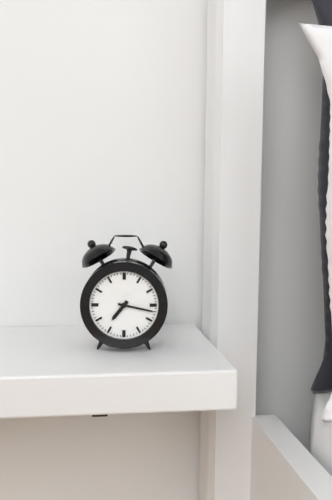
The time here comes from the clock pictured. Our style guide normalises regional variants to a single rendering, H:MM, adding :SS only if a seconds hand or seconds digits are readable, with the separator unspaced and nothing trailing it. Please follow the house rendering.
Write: 7:17
